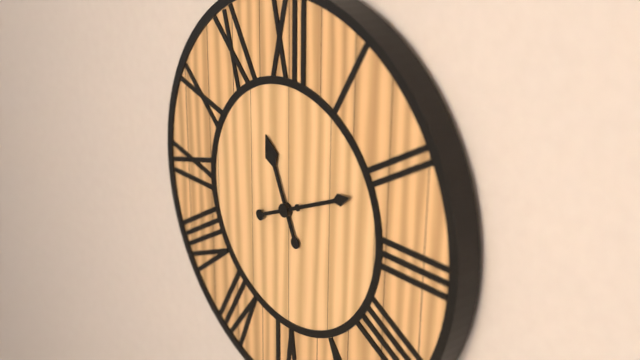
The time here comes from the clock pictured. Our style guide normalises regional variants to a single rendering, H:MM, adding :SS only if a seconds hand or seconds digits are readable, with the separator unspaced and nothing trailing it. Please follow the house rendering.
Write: 11:11
